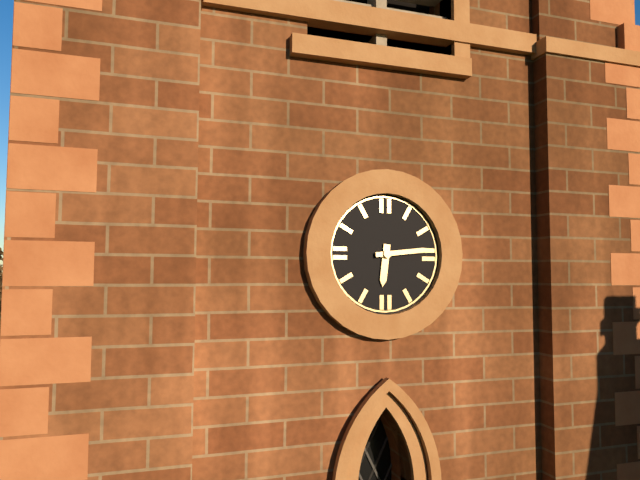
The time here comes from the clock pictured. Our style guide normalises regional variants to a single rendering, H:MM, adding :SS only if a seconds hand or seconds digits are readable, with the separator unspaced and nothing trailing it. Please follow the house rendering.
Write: 6:14
